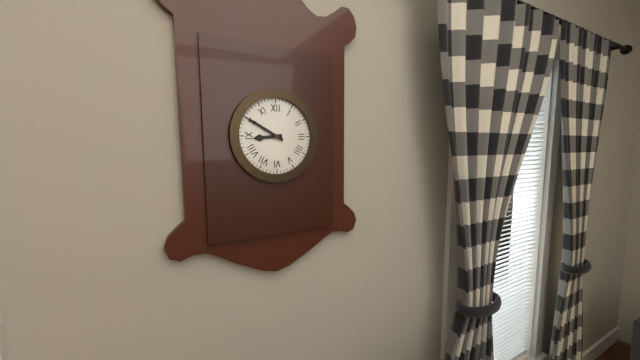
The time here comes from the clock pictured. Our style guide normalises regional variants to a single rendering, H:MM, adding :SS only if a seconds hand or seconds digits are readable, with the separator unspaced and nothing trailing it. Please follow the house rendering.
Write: 8:50
